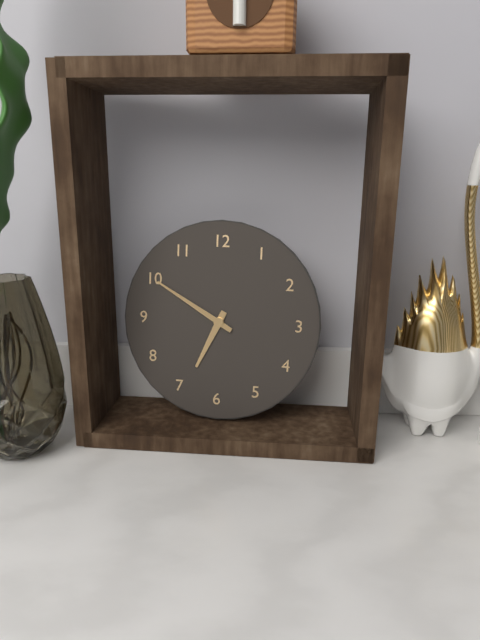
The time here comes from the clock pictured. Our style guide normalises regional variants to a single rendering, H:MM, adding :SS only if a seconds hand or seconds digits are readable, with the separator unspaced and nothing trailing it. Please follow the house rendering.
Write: 6:50
